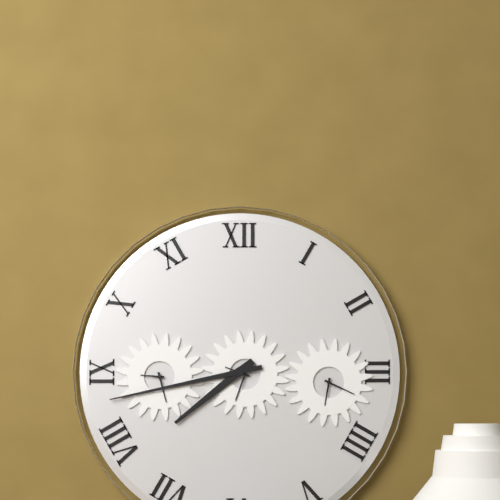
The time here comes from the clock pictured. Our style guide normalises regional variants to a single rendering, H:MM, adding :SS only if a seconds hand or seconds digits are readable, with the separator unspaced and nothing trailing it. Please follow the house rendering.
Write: 7:43
